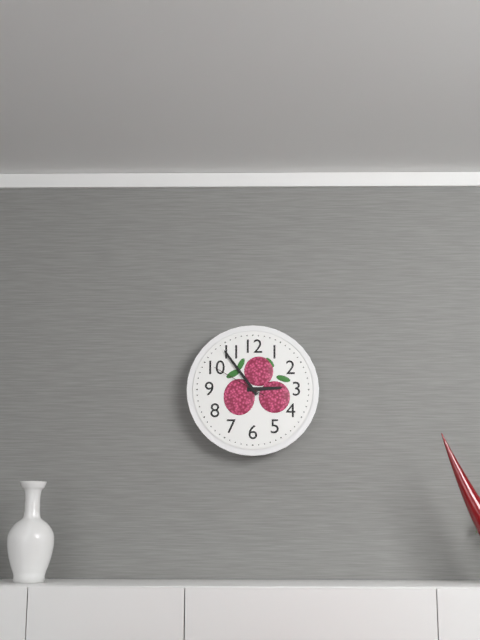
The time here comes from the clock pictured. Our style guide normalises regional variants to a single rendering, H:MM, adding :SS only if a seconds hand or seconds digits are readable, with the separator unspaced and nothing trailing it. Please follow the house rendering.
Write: 2:54:50
